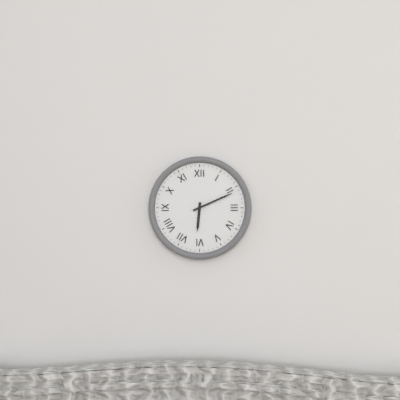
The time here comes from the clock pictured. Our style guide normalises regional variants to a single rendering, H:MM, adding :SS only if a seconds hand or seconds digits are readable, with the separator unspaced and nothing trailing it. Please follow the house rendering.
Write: 6:11
